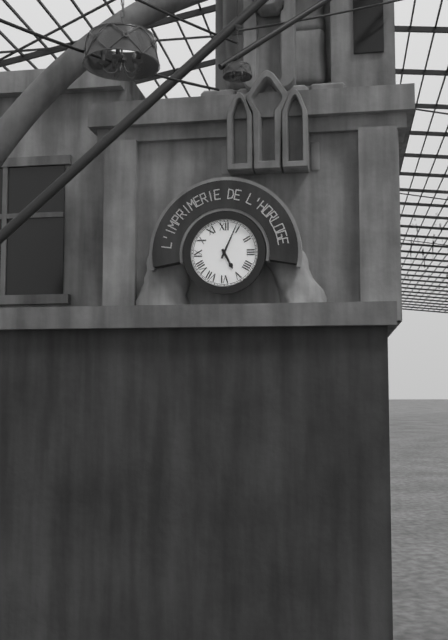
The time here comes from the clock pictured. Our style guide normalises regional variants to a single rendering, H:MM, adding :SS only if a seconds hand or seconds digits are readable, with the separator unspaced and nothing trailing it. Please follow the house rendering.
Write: 5:04
